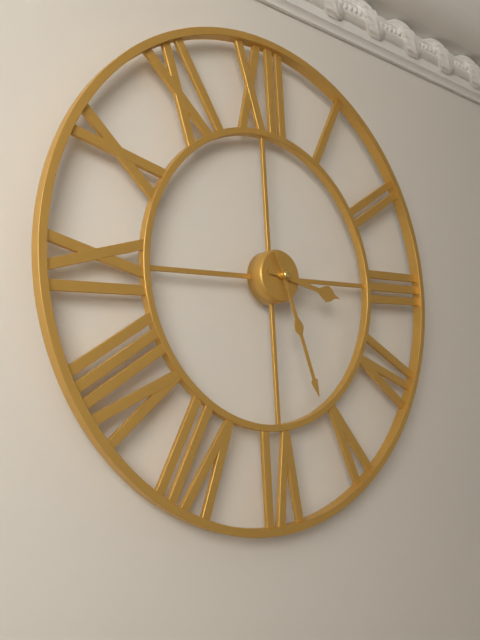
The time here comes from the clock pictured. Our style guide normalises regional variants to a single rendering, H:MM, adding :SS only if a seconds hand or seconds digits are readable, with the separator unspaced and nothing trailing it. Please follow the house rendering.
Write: 3:27
